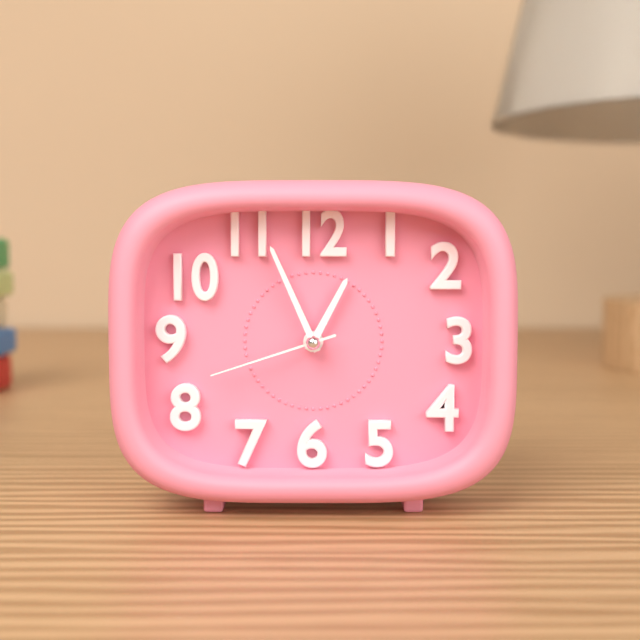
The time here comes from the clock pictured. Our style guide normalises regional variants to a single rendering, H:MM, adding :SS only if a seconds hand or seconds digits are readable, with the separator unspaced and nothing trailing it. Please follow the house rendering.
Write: 12:56:42
